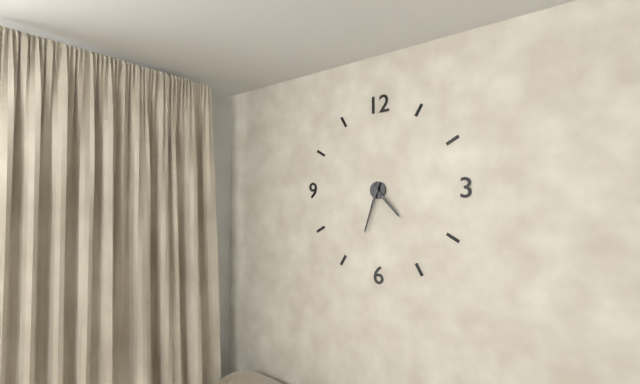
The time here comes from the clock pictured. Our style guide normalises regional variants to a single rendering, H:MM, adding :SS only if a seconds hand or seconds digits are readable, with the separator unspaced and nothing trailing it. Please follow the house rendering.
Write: 4:33
